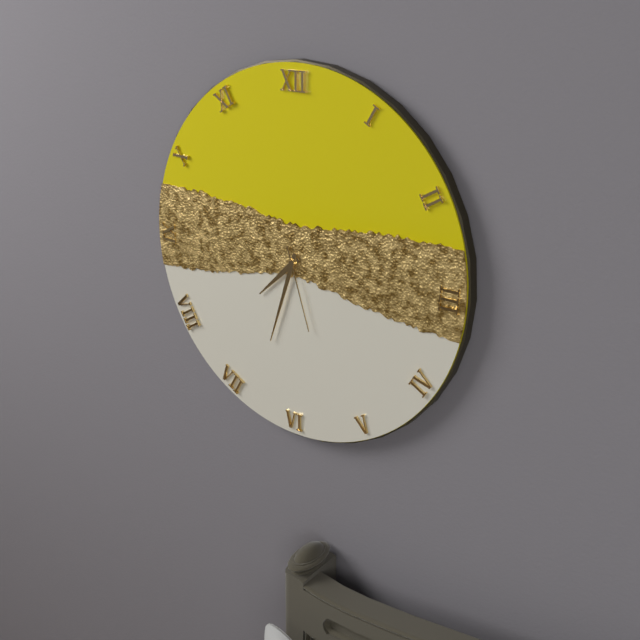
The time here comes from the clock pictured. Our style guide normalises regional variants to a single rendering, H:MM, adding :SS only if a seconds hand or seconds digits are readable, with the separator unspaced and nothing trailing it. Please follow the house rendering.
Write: 7:33:27
